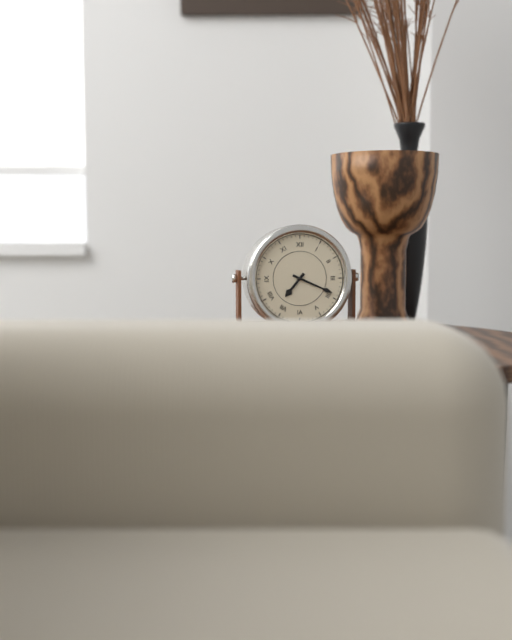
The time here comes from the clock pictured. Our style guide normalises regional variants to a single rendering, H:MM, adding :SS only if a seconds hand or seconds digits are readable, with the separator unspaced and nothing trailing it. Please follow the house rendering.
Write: 7:19
